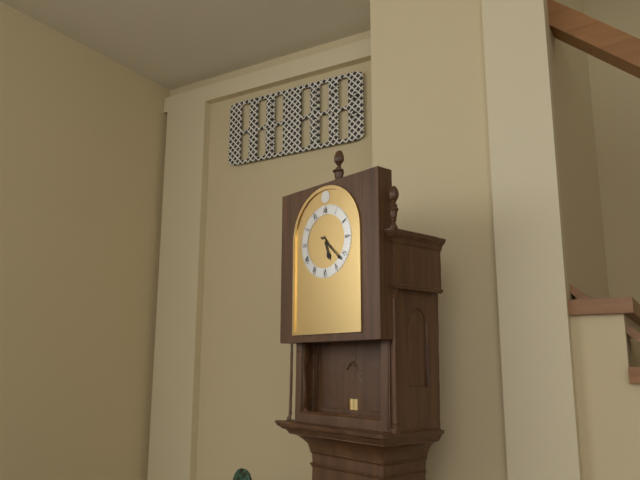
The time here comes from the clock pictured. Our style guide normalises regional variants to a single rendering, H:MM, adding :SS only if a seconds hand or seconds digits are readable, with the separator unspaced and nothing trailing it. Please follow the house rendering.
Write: 5:22
